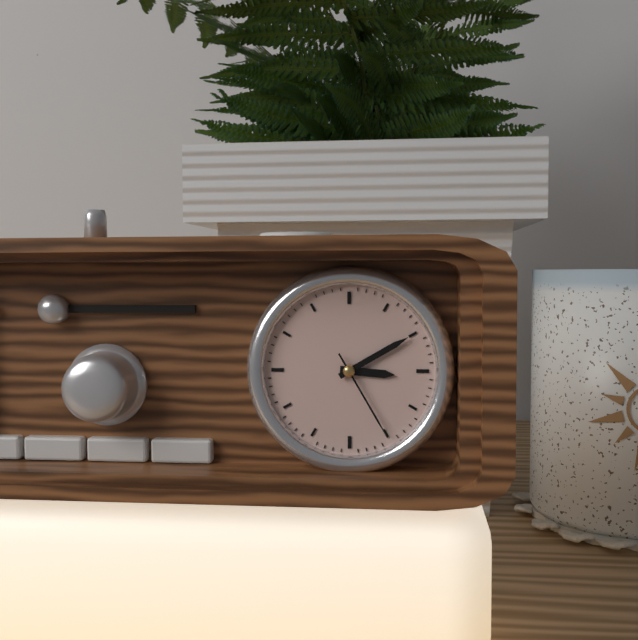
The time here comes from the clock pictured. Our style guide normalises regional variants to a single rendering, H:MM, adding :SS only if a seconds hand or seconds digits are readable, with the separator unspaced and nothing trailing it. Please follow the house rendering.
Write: 3:10:25
